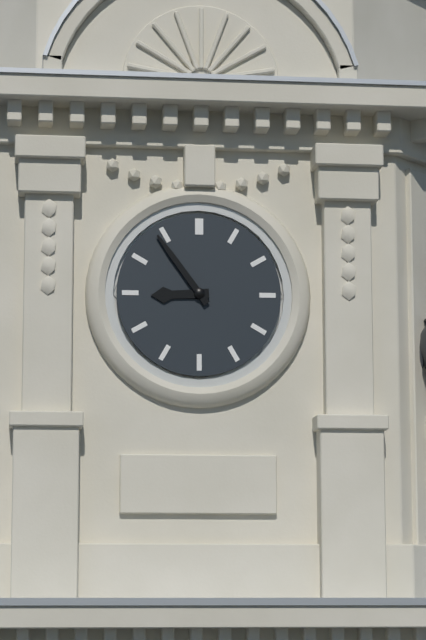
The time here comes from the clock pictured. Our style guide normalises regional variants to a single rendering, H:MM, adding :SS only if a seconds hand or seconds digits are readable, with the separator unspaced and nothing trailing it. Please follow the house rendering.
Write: 8:54
